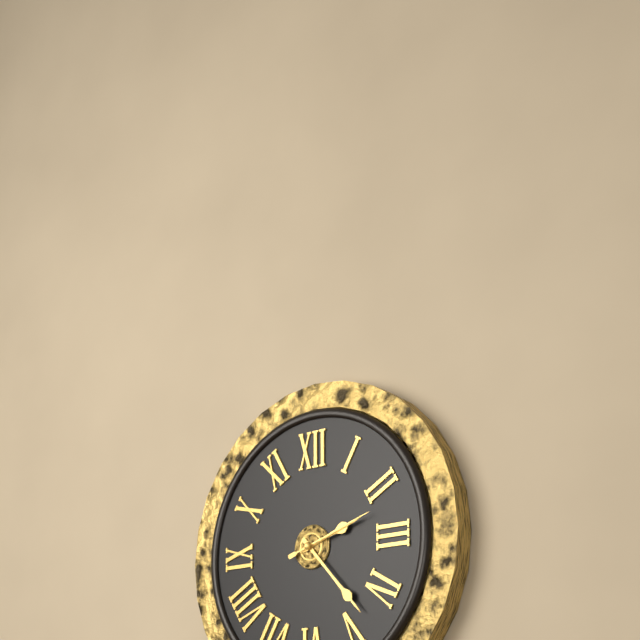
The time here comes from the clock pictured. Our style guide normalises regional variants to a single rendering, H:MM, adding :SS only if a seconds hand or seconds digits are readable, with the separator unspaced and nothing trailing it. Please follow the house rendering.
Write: 2:23:12
